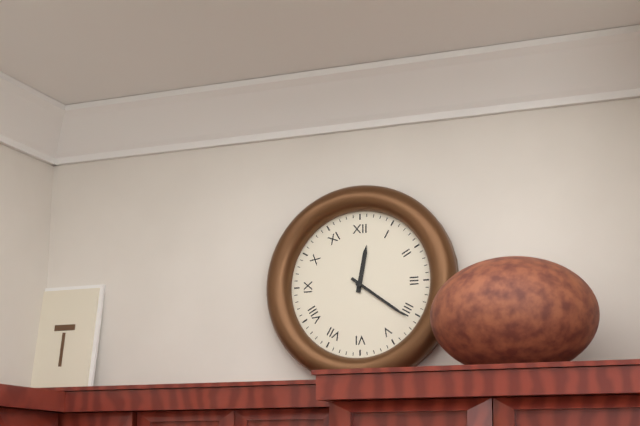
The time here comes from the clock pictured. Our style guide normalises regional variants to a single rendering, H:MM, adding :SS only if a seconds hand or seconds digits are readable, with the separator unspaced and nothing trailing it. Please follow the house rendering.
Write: 12:21
